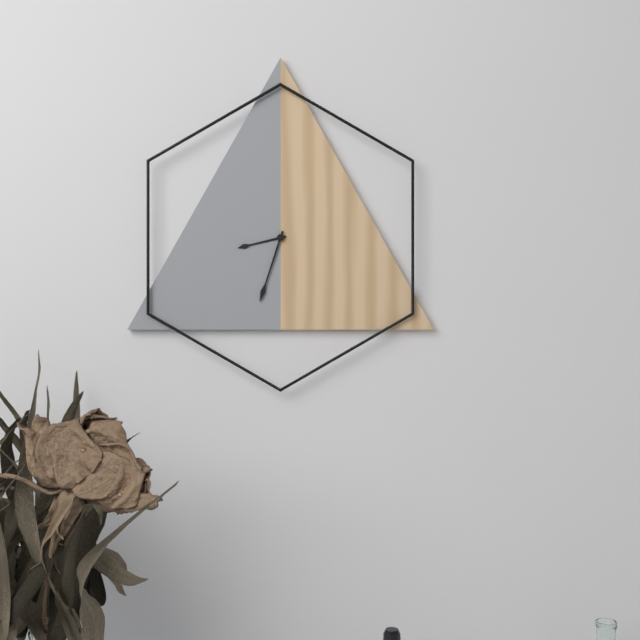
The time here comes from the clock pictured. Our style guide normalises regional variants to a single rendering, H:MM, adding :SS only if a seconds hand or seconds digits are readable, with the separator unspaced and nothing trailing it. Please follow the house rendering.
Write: 8:33
